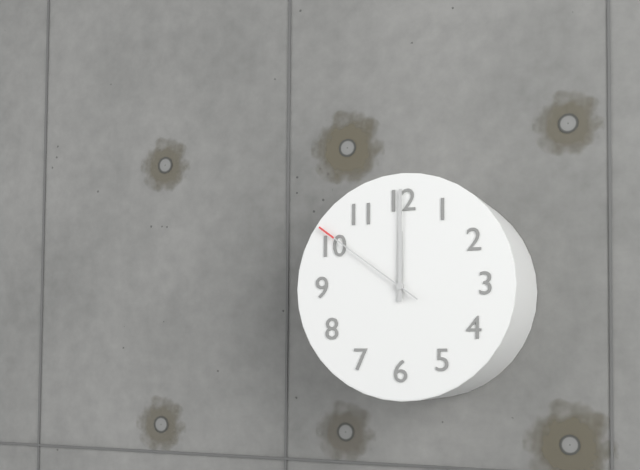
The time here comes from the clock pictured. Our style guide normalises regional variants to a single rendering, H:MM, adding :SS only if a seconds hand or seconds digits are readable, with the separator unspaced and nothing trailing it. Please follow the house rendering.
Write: 12:00:51
